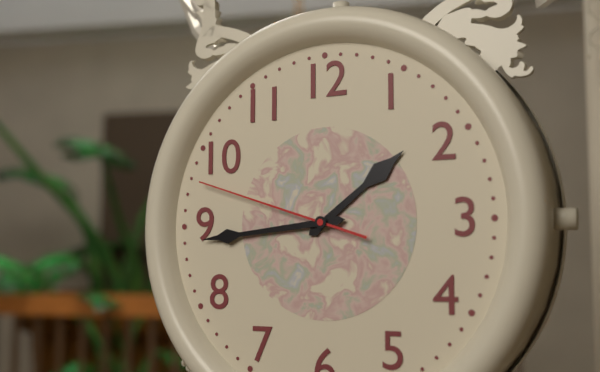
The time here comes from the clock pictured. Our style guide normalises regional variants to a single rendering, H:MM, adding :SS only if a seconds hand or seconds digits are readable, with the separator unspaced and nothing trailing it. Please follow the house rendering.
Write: 1:44:48
